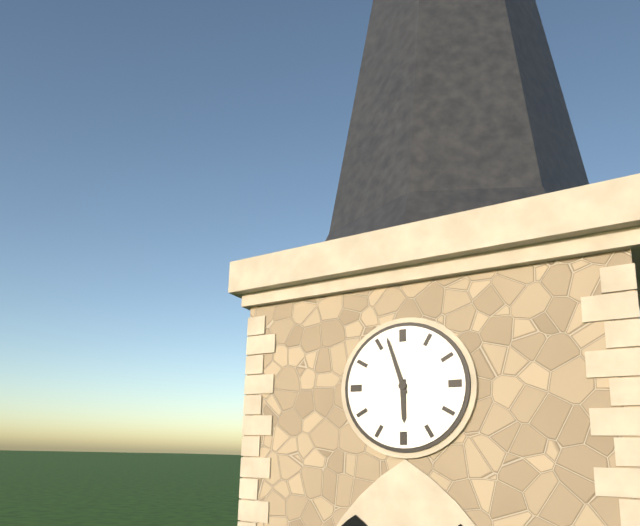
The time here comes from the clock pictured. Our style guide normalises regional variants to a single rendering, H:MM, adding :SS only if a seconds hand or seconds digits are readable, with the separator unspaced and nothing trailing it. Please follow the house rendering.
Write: 5:57
